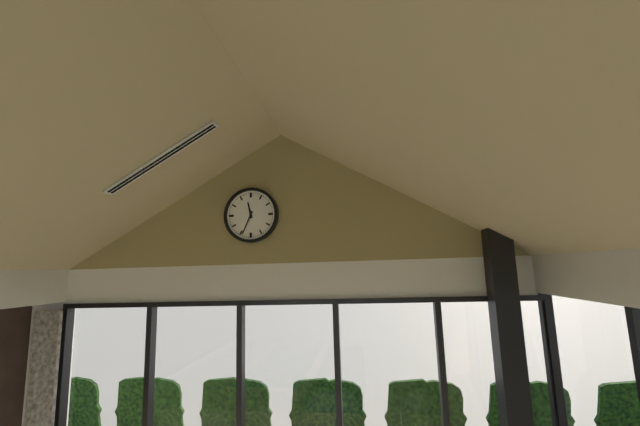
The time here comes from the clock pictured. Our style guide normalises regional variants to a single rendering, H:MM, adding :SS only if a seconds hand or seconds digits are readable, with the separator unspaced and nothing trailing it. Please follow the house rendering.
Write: 11:34
